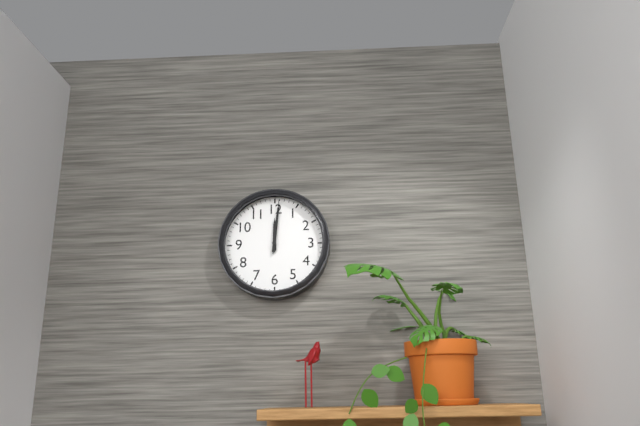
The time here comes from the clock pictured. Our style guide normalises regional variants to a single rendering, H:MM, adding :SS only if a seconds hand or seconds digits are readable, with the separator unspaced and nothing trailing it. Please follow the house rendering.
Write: 12:01:01
